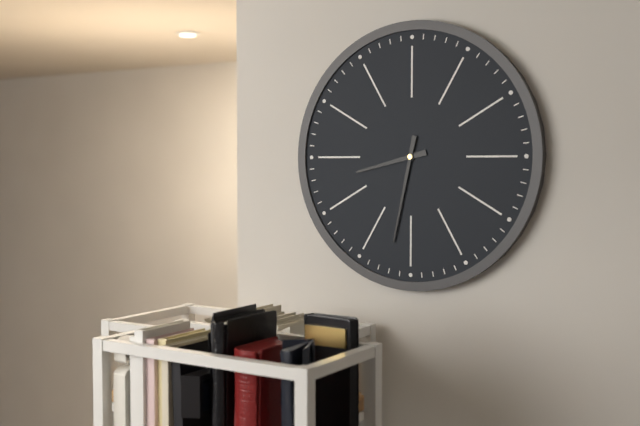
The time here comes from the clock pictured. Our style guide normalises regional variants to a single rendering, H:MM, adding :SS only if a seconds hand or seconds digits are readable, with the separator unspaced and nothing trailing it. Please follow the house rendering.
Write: 8:32
